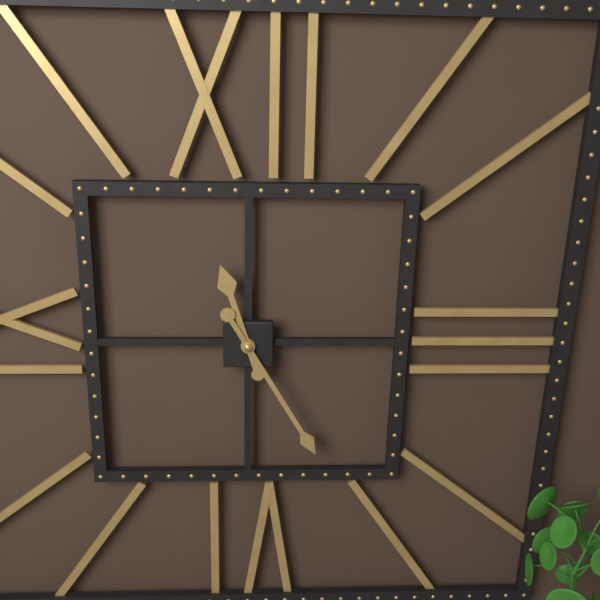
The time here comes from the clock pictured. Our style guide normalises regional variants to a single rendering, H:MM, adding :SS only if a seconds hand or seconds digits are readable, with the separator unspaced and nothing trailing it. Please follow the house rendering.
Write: 11:25
